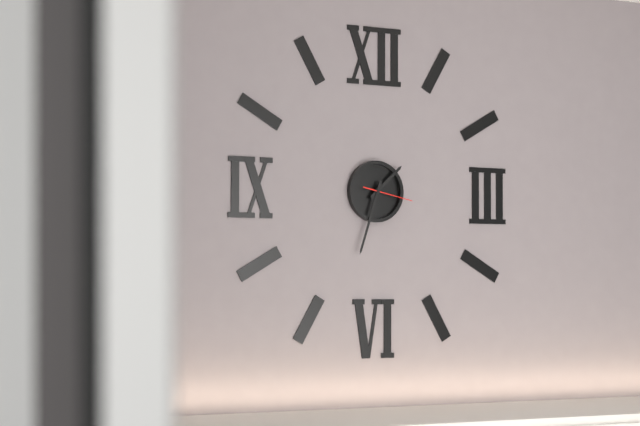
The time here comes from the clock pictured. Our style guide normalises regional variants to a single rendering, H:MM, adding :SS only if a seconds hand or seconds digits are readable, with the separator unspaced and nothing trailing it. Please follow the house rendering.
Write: 1:33
